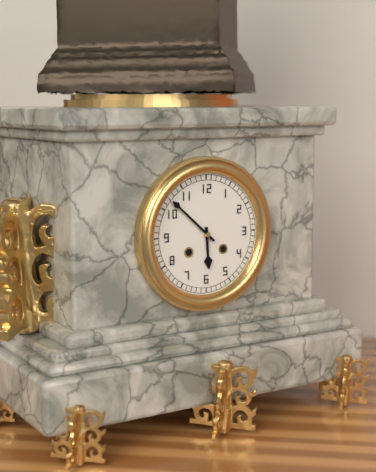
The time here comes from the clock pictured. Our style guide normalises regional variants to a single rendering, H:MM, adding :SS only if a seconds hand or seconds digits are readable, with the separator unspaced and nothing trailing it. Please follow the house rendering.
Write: 5:52
